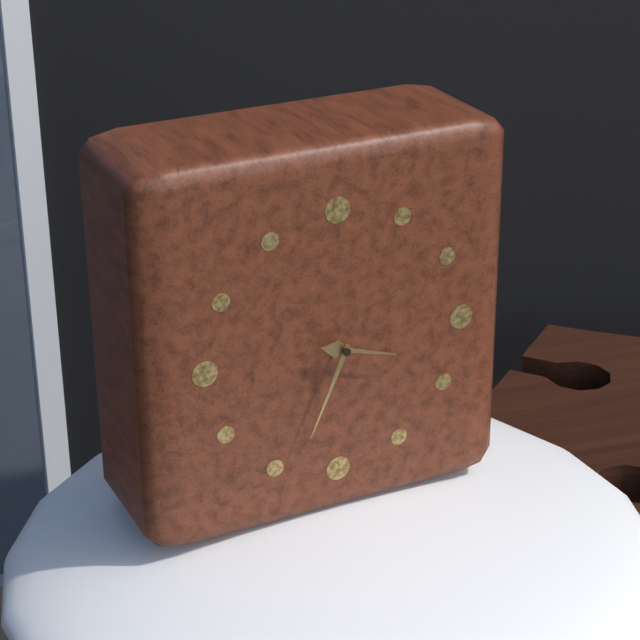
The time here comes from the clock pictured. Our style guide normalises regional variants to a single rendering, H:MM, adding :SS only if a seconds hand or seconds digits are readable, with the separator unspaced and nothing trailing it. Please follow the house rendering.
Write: 3:34
